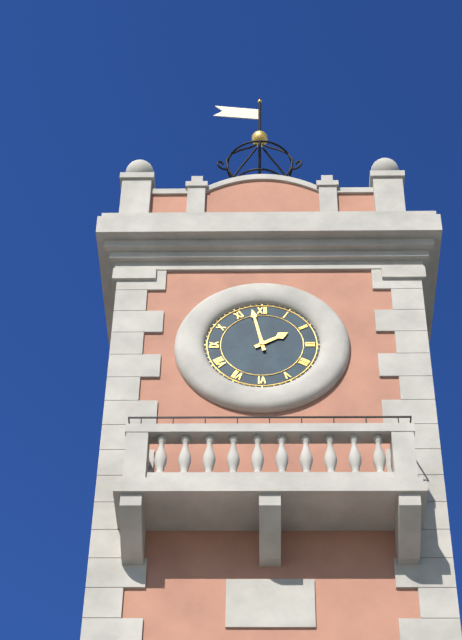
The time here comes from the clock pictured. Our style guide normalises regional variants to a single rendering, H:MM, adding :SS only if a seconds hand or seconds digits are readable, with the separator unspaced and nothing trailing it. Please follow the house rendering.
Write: 1:58
